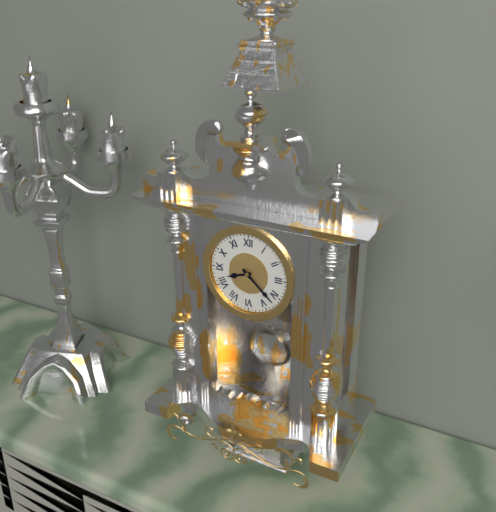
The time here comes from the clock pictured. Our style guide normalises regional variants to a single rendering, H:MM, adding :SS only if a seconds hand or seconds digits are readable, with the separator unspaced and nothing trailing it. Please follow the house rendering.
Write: 8:22
